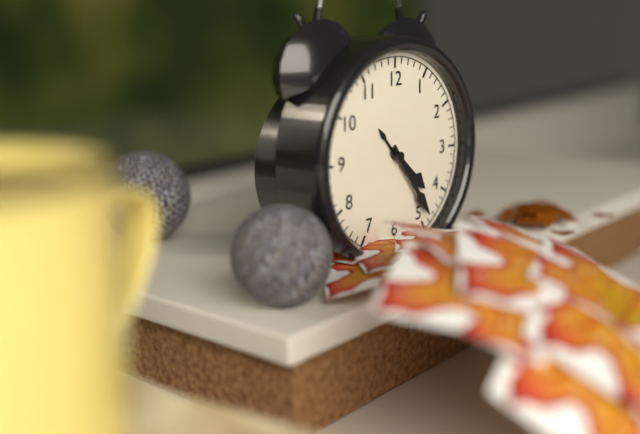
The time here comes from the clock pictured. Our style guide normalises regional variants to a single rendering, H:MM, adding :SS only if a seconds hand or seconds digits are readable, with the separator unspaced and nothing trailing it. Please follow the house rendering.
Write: 4:24
